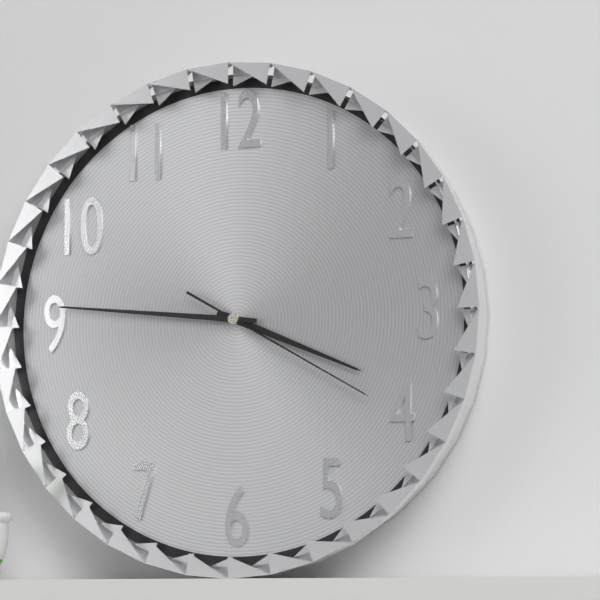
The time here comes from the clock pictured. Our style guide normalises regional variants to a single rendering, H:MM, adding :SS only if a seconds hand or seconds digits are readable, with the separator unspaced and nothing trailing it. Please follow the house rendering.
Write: 3:46:20
